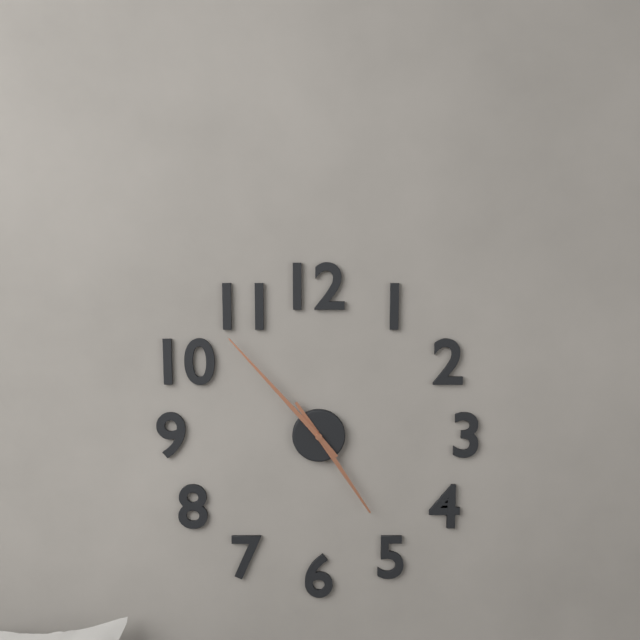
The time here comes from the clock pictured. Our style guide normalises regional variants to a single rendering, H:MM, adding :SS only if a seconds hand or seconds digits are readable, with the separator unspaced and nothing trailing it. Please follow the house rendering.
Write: 4:53
